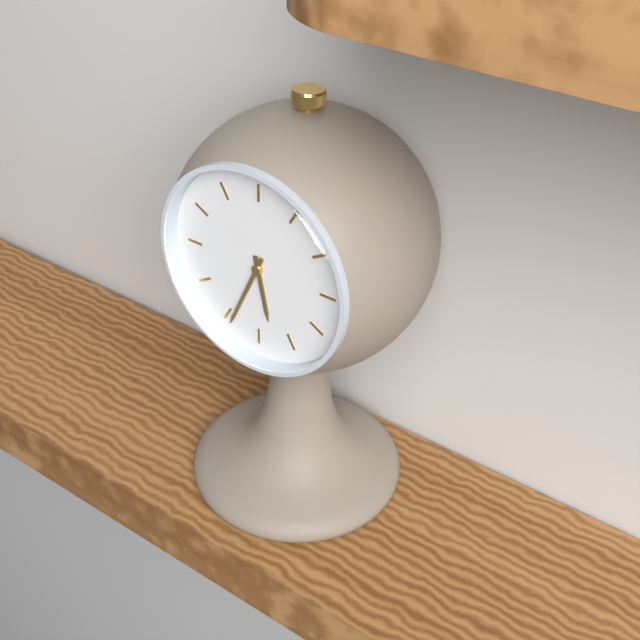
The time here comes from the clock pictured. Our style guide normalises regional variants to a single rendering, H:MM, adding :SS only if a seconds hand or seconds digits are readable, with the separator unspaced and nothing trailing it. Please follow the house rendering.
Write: 5:34
